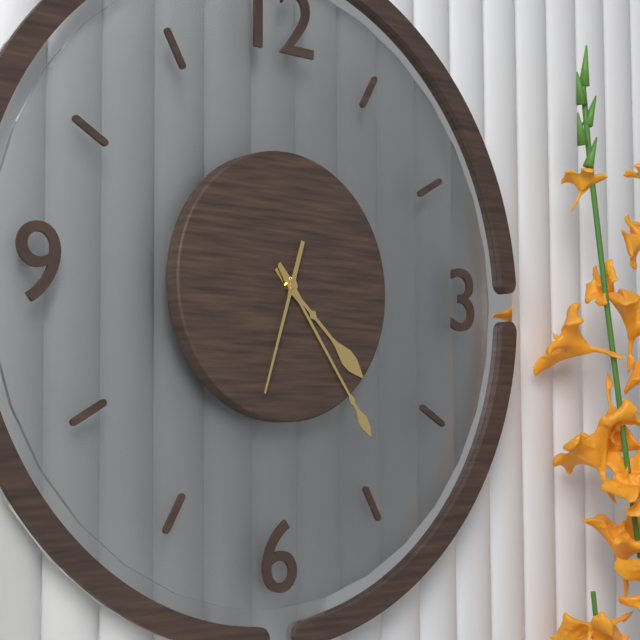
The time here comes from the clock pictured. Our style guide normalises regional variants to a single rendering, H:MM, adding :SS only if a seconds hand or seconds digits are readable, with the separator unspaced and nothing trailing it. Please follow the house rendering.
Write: 4:24:33
